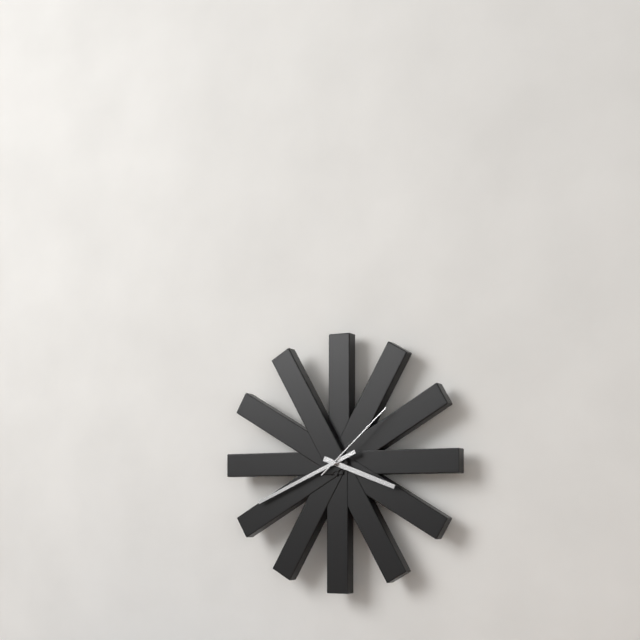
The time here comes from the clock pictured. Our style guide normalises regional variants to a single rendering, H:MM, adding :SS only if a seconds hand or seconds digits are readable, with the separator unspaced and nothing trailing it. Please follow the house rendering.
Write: 3:41:08
